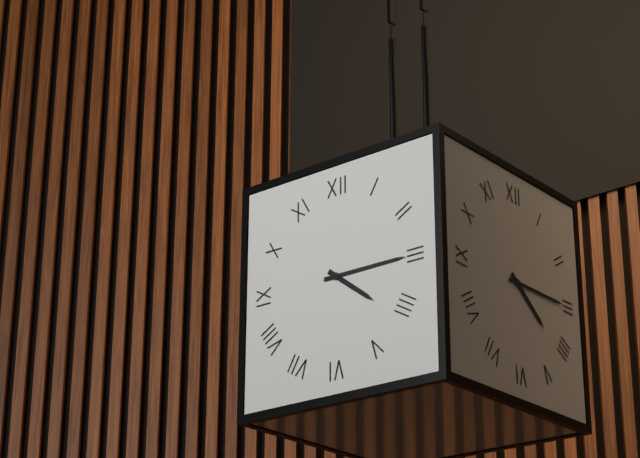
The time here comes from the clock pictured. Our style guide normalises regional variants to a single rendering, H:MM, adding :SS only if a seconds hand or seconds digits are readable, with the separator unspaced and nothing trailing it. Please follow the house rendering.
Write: 4:15
